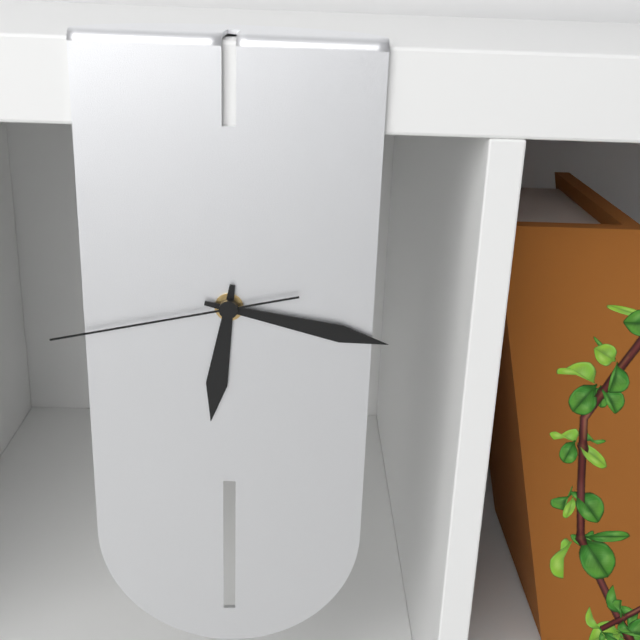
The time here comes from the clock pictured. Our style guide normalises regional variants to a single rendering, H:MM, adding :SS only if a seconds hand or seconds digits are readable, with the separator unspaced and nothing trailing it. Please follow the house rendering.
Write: 6:17:43
